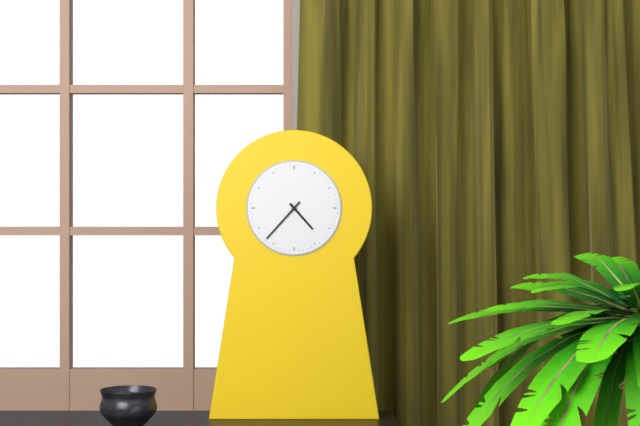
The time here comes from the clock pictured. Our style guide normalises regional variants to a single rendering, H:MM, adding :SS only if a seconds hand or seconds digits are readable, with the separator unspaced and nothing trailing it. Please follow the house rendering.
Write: 4:37
